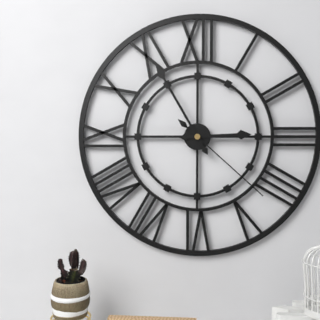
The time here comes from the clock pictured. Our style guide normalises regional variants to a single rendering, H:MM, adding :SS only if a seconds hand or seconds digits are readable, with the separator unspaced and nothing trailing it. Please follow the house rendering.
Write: 2:55:22
